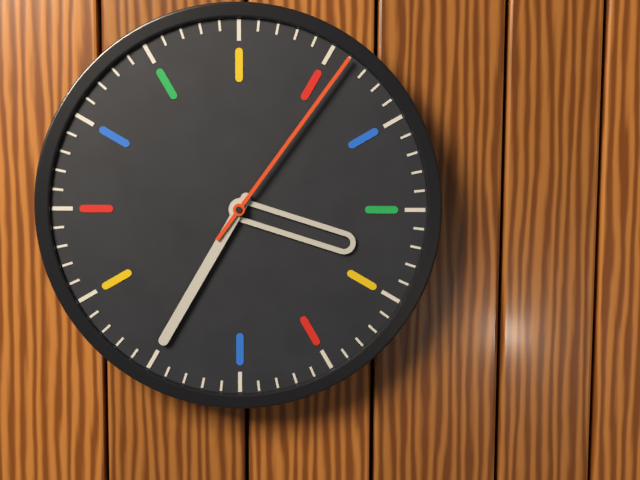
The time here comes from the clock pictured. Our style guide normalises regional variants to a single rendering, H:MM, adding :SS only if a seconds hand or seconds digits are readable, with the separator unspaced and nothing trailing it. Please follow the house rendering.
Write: 3:35:06
